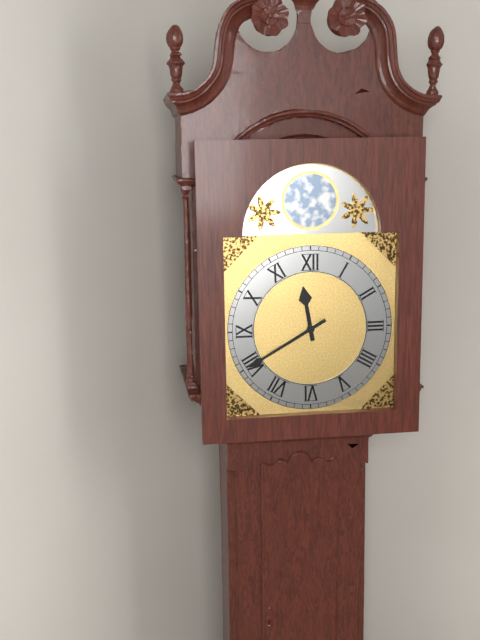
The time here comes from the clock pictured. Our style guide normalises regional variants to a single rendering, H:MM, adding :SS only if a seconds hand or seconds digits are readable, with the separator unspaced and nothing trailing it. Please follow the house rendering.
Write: 11:40
